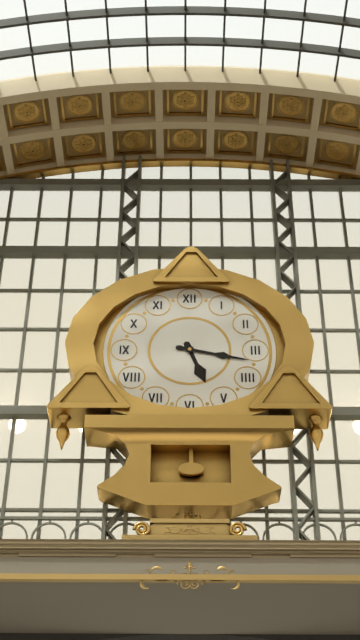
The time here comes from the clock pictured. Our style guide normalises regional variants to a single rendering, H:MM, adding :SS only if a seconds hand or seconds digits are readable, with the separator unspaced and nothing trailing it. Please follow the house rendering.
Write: 5:17
